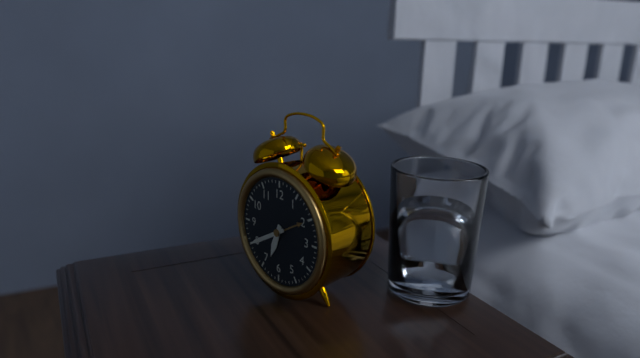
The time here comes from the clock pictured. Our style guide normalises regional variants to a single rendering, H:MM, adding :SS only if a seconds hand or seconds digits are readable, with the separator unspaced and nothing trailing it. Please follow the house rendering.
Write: 6:40
